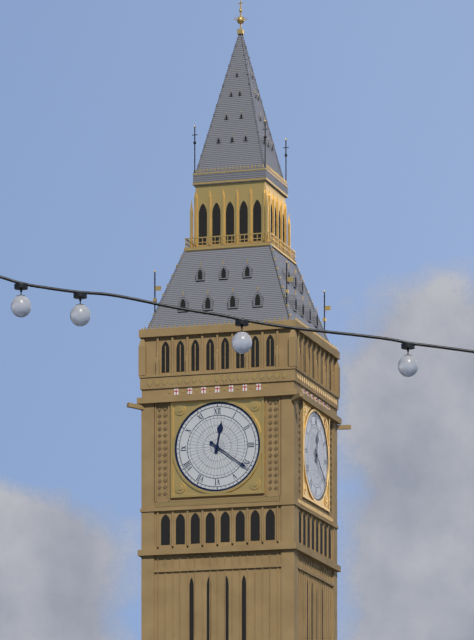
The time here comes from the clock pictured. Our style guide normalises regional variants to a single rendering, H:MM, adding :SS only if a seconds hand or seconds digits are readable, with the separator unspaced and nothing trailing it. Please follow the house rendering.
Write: 12:21
